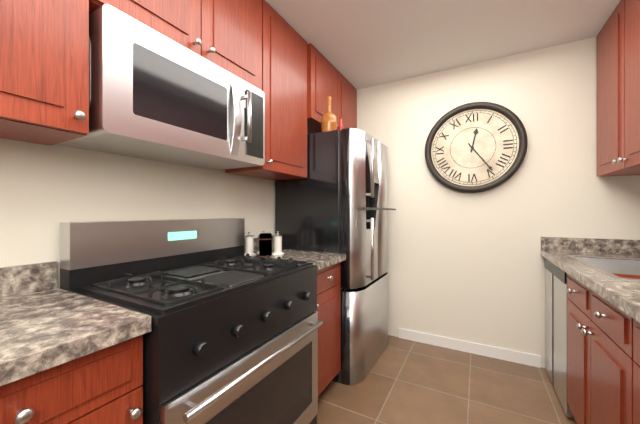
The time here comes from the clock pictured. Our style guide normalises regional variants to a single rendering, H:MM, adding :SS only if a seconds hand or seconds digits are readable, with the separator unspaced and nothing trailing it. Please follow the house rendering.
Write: 12:24
